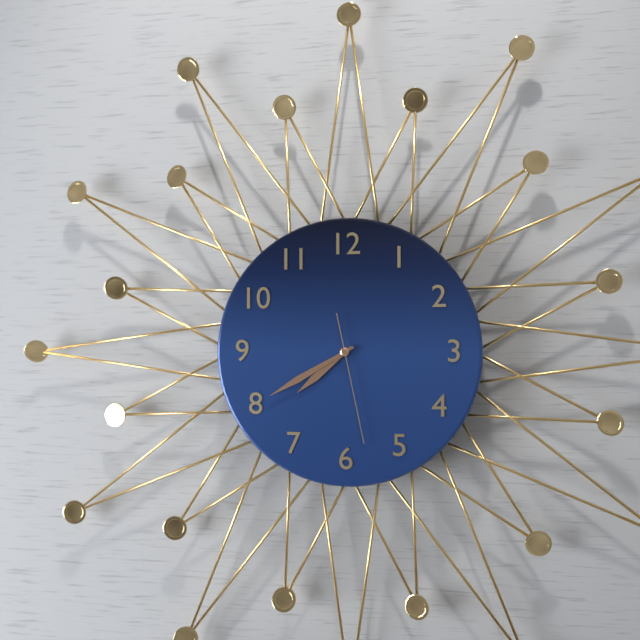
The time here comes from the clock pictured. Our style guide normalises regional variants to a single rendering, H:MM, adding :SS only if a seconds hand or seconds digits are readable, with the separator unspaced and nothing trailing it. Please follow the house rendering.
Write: 7:40:28
